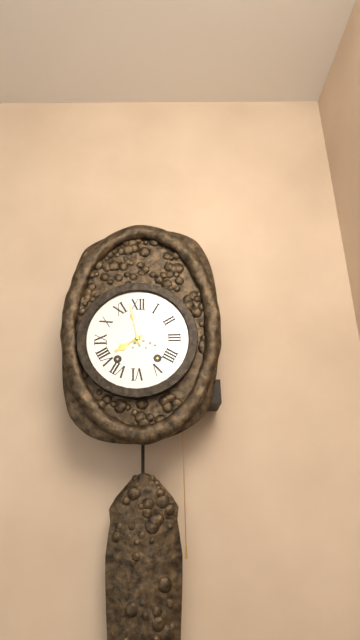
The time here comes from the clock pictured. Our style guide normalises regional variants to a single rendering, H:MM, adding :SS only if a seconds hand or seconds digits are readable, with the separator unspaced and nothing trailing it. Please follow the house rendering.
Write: 7:58
